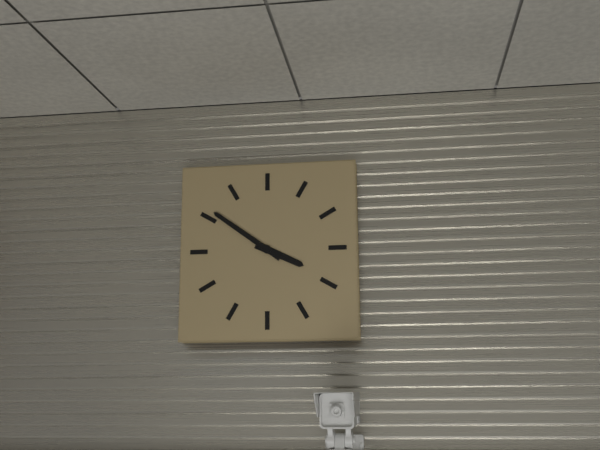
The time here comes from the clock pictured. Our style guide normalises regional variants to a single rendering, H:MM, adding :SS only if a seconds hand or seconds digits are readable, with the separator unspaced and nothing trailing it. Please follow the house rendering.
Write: 3:51
